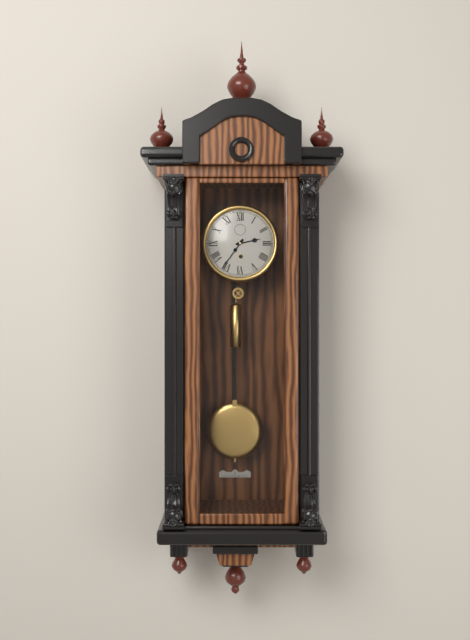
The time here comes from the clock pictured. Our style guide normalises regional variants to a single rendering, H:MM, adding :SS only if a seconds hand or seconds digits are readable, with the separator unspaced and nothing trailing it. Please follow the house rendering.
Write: 2:36
